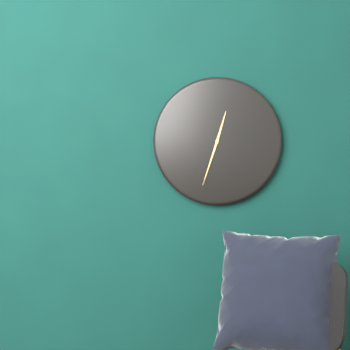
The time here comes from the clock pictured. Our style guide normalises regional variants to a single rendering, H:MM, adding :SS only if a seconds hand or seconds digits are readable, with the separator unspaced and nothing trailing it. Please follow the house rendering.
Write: 12:33
